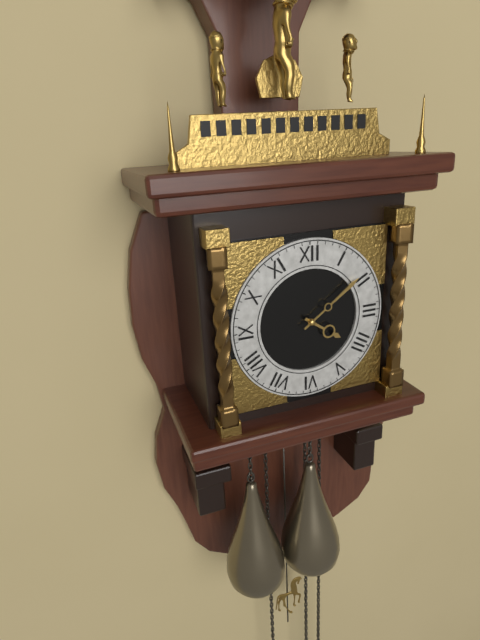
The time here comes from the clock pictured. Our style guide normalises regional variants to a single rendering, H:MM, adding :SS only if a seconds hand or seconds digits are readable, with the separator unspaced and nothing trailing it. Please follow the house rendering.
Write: 4:09
